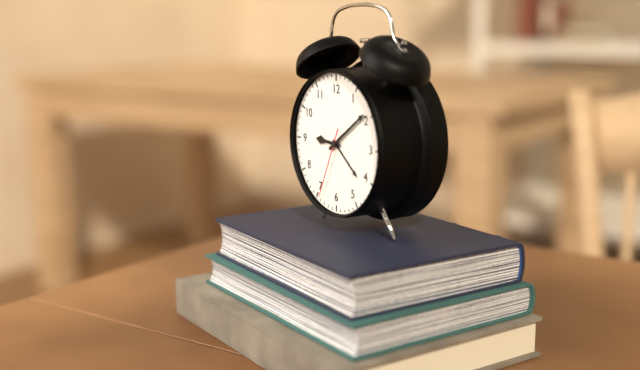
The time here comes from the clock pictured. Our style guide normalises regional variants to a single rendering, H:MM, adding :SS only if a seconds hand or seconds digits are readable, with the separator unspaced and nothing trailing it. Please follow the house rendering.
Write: 9:09:34
